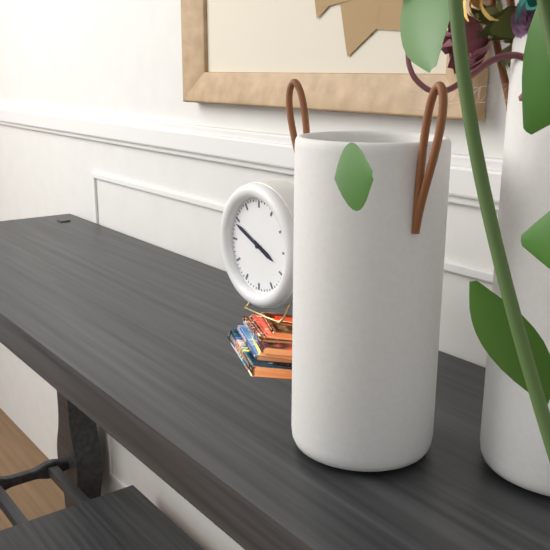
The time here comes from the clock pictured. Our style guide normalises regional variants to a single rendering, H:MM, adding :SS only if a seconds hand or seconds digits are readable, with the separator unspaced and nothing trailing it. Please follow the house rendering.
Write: 3:49
